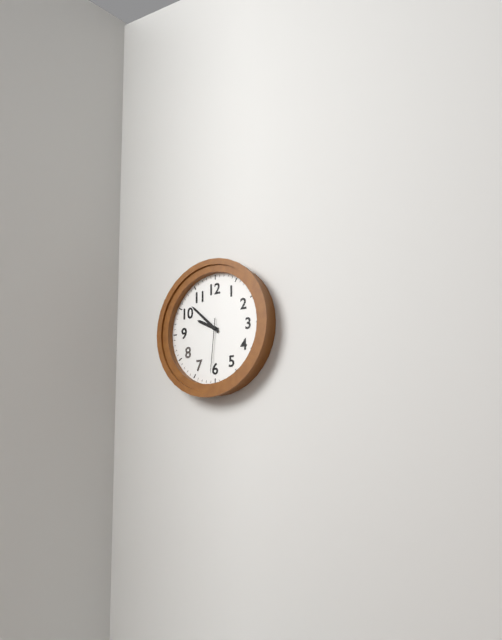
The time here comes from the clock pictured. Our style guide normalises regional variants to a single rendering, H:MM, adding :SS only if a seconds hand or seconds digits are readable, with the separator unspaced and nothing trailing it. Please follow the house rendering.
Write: 9:52:31
